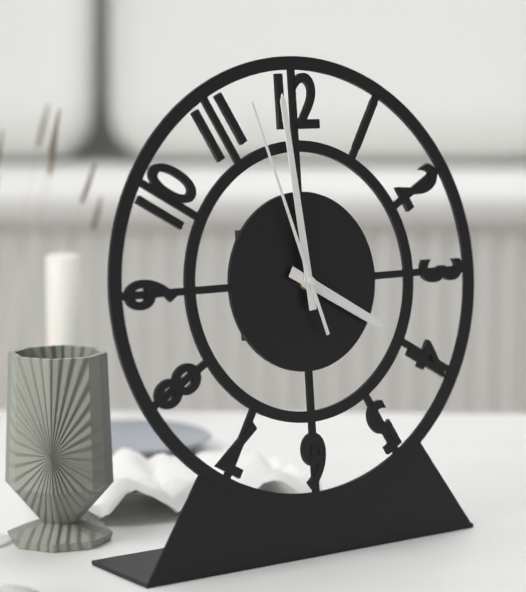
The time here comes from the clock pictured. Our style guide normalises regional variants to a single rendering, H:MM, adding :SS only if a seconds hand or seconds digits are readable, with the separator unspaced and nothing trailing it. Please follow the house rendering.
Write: 3:59:57
